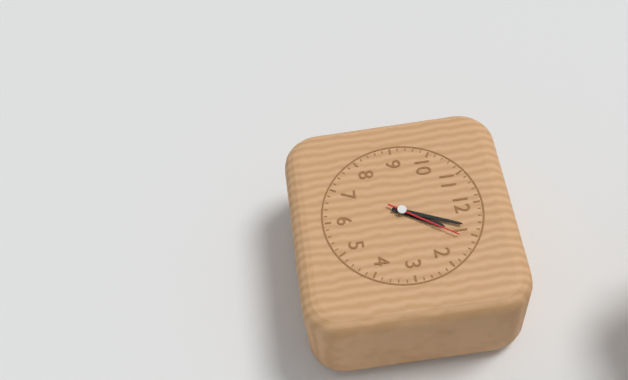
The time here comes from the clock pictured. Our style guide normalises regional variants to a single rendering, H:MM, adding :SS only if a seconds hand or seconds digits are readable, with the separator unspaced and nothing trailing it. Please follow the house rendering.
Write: 1:04:06
